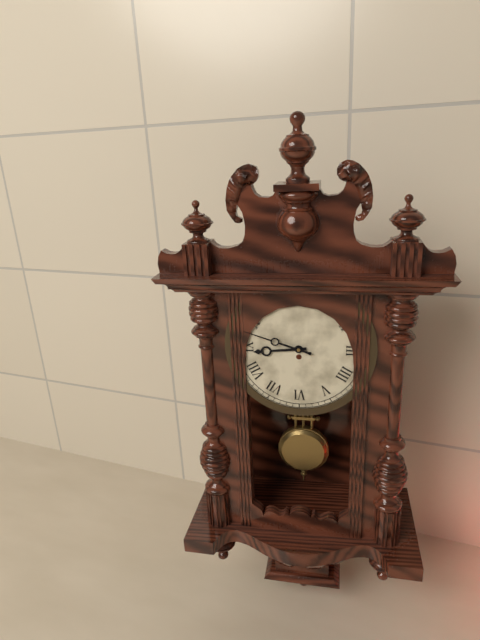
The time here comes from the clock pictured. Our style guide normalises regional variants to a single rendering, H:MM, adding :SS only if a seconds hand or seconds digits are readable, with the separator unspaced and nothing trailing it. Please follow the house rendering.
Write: 8:48
